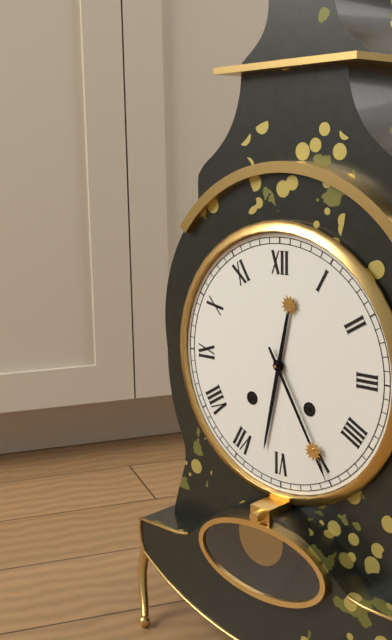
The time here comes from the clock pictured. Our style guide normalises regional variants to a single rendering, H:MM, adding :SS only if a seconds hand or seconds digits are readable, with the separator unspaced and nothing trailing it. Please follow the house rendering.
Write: 6:25
